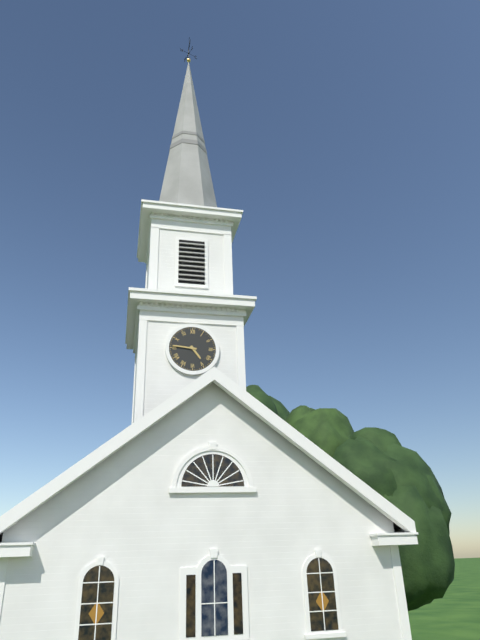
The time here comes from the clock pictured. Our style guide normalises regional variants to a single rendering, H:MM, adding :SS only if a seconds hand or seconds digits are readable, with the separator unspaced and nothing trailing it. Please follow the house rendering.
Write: 4:46
